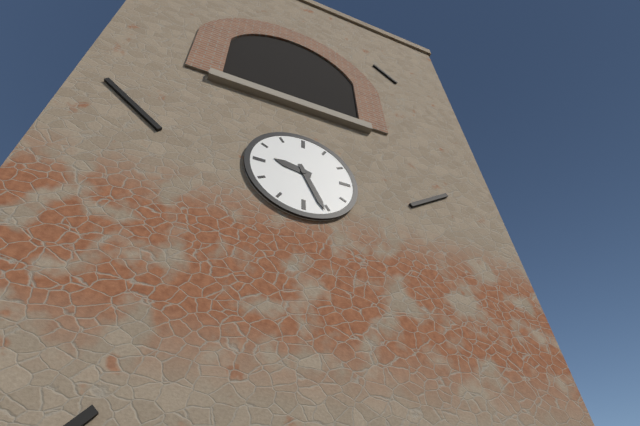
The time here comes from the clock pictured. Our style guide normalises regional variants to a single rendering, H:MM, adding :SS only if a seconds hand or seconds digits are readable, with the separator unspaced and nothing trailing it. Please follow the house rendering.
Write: 9:26
